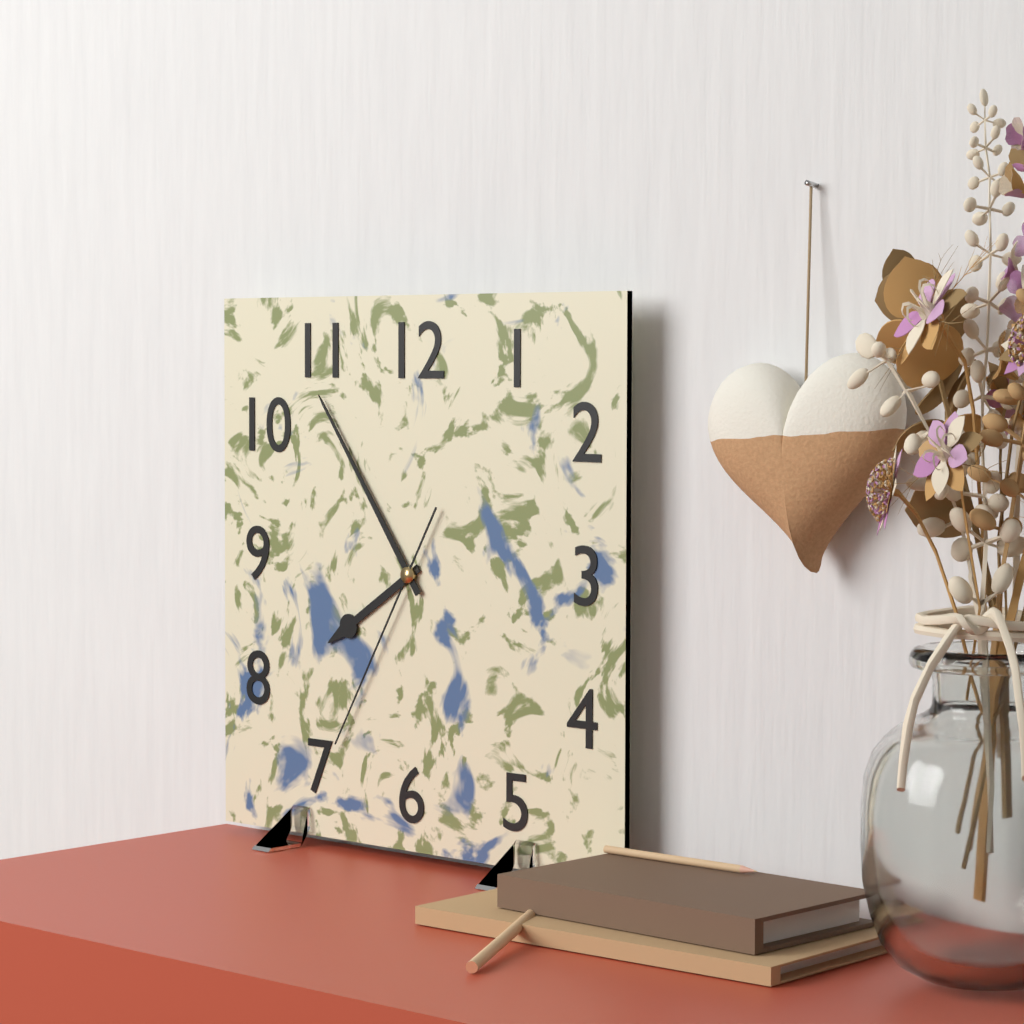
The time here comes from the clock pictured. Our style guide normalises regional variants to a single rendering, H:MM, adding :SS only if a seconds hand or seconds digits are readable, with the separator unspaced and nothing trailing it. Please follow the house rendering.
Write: 7:54:35
